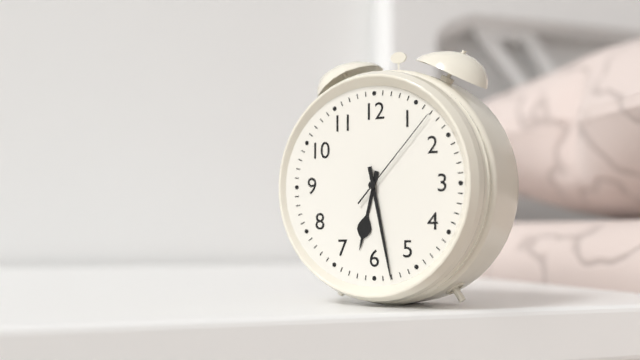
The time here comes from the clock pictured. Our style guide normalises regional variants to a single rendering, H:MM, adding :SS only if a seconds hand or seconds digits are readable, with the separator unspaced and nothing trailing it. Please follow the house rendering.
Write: 6:28:07
